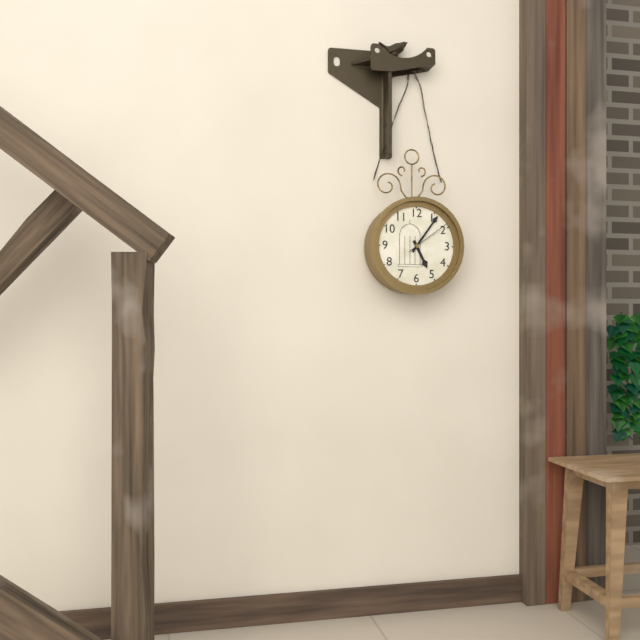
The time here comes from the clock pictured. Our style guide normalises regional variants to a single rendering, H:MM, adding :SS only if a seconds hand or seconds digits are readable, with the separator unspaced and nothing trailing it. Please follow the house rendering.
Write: 5:06:09
